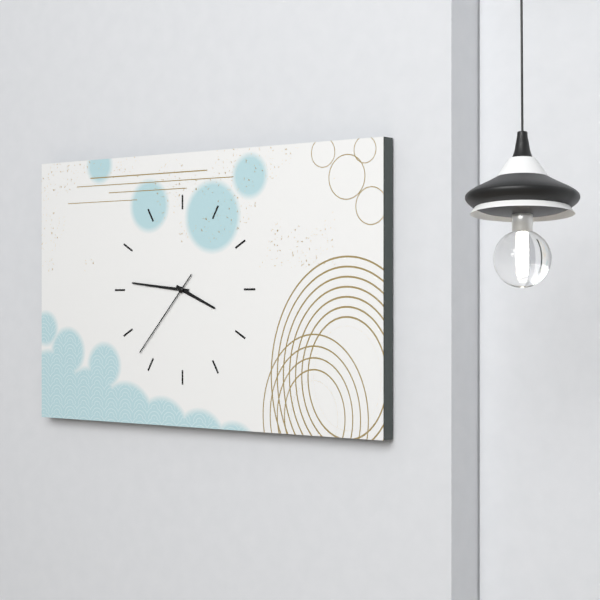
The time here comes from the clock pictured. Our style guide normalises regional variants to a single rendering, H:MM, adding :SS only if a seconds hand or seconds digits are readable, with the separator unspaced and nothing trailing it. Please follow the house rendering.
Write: 3:46:37
